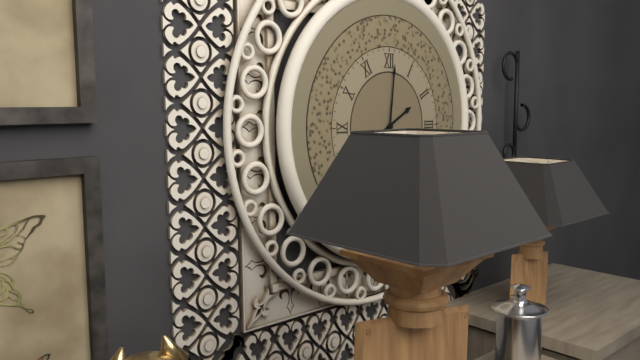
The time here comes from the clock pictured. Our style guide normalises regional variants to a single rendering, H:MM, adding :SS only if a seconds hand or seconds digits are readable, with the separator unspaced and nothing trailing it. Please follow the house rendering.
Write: 2:01
